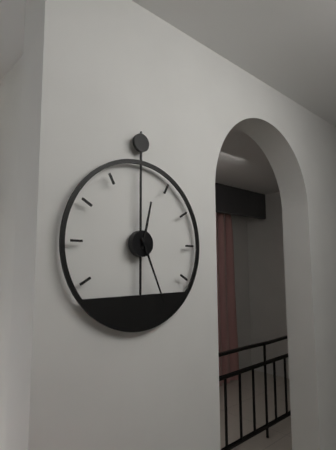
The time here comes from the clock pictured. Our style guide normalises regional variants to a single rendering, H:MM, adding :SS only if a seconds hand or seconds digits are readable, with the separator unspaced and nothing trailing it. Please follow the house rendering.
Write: 12:26
